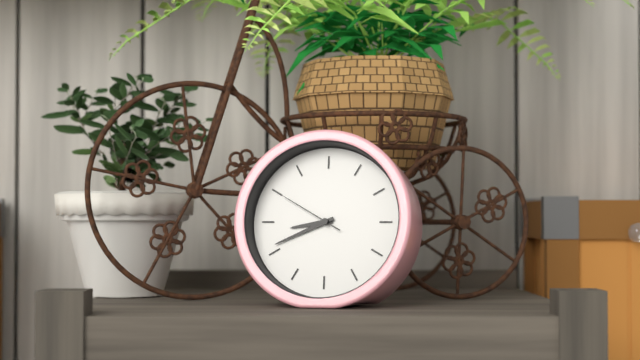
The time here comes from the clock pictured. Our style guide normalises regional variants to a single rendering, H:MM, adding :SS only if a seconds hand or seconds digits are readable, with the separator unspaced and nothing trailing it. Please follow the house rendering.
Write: 8:41:50
